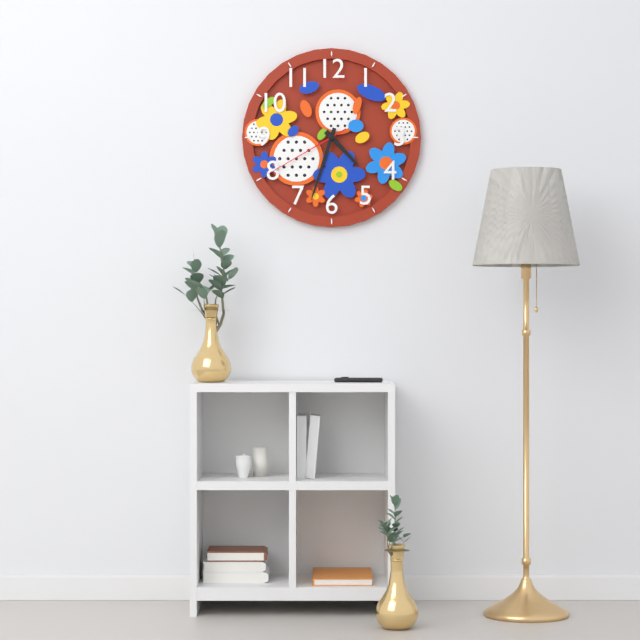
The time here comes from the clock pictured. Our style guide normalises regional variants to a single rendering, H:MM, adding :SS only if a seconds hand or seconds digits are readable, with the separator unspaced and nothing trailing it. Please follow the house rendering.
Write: 4:33:40
